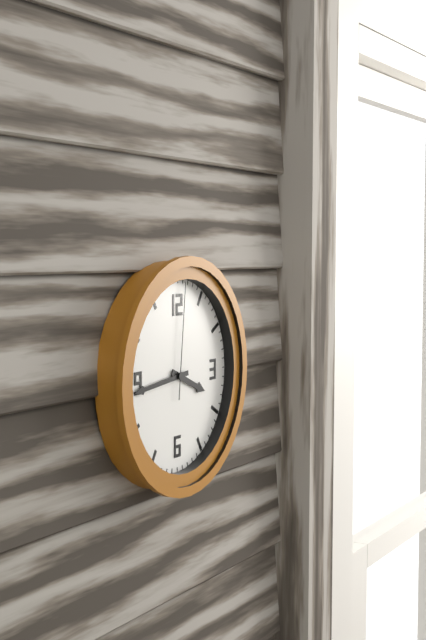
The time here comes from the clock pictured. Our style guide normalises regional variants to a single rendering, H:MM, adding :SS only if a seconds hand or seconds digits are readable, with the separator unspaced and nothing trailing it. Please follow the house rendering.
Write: 3:44:01
